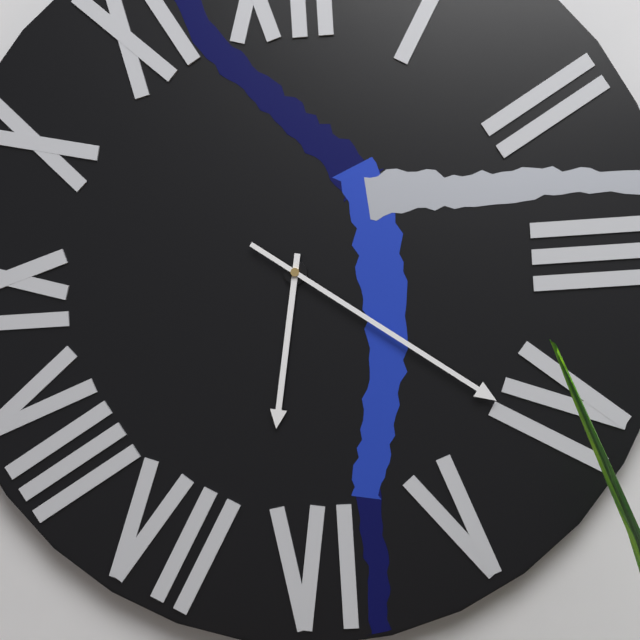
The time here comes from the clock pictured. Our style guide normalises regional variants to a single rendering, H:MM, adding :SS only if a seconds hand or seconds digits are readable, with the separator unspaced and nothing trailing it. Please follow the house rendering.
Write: 6:21
